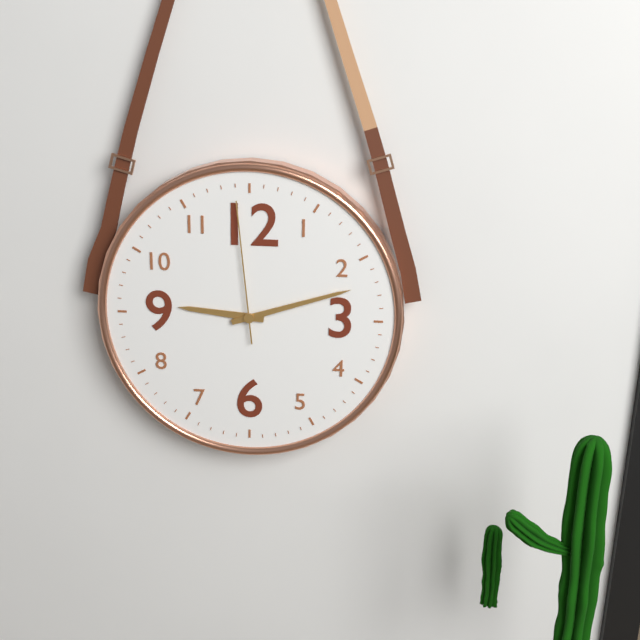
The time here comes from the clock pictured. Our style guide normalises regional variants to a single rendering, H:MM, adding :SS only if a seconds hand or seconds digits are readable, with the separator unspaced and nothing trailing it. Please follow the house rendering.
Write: 9:12:59
